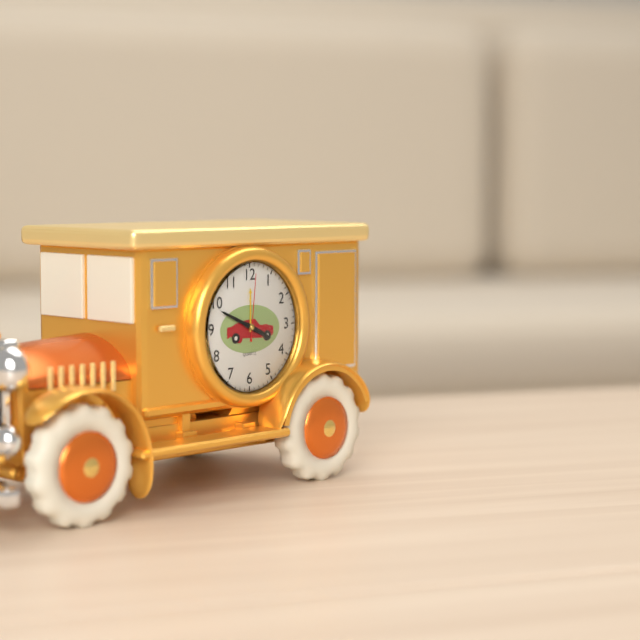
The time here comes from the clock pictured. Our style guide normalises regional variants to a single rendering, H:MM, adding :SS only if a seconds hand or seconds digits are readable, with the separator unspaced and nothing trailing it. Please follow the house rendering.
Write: 3:49:01
